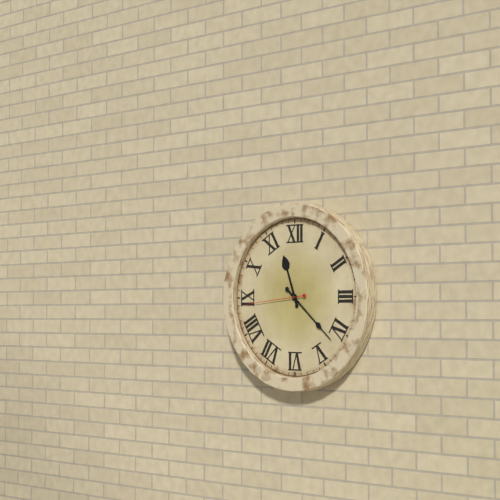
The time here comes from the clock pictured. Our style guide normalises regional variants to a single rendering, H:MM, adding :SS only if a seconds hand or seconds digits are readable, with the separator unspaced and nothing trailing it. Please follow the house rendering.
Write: 11:22:44
